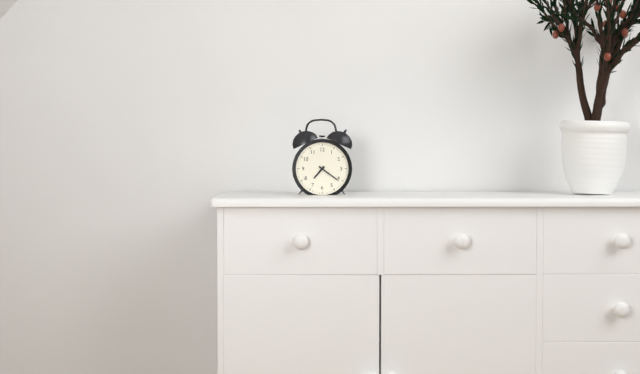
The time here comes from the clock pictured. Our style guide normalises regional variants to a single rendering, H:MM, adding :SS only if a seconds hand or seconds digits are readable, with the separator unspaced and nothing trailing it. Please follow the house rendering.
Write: 7:21
